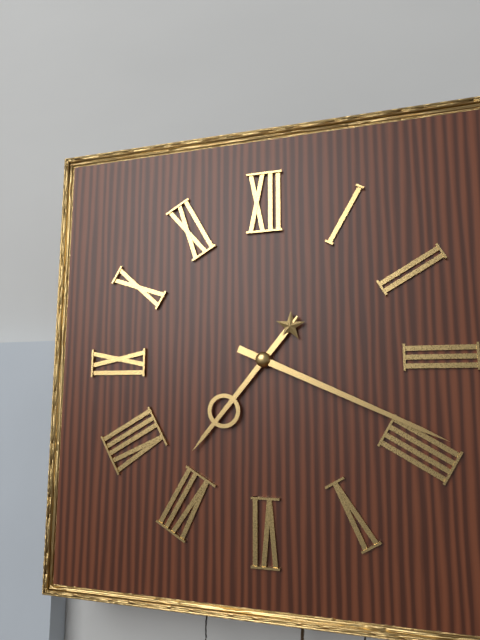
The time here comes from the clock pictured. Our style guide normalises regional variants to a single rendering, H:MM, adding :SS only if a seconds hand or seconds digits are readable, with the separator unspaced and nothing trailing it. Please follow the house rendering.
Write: 7:19
